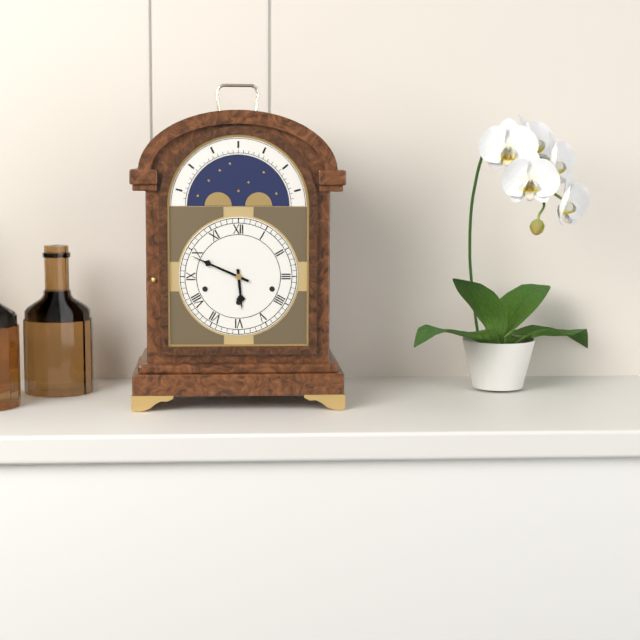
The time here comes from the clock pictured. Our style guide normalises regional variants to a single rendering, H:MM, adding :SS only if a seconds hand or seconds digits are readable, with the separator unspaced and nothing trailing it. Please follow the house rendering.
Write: 5:49
